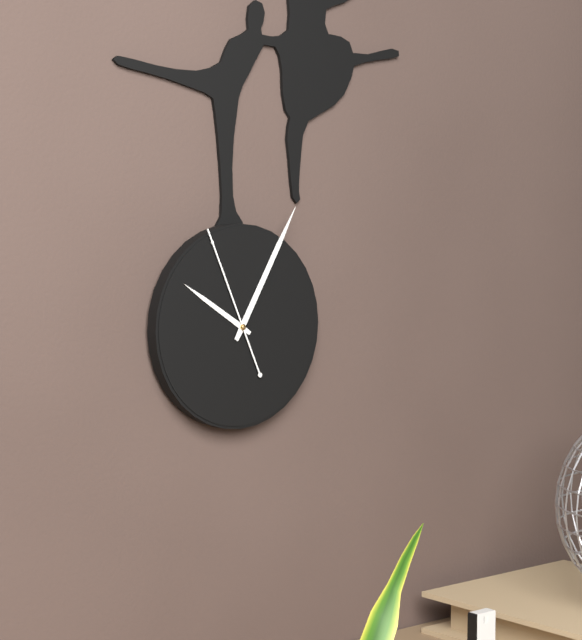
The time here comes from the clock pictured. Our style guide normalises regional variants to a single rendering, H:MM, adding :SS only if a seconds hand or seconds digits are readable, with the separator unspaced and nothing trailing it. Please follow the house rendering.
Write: 10:05:56
